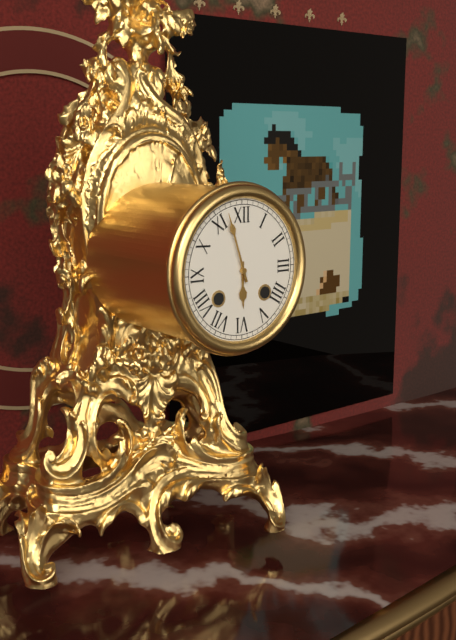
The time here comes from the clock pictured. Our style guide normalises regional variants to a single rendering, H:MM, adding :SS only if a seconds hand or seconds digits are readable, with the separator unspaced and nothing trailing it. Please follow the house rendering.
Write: 5:57
